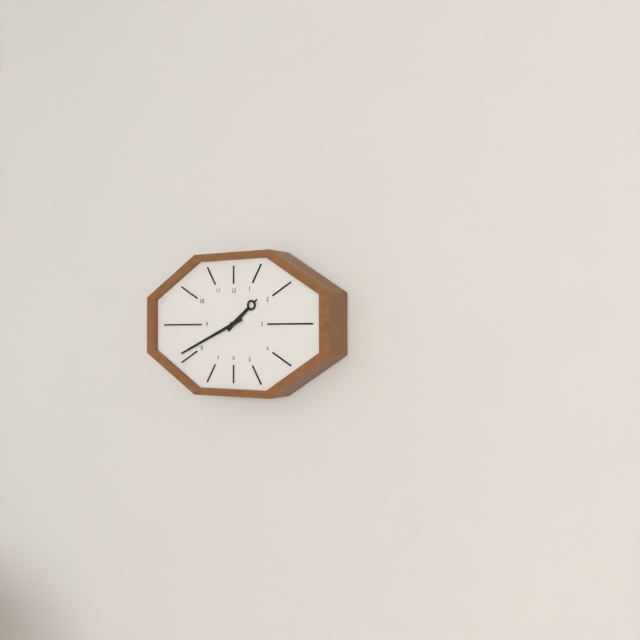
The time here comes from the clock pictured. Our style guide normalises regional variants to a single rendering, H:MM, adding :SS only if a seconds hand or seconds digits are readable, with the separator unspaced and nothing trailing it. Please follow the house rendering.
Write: 1:41
